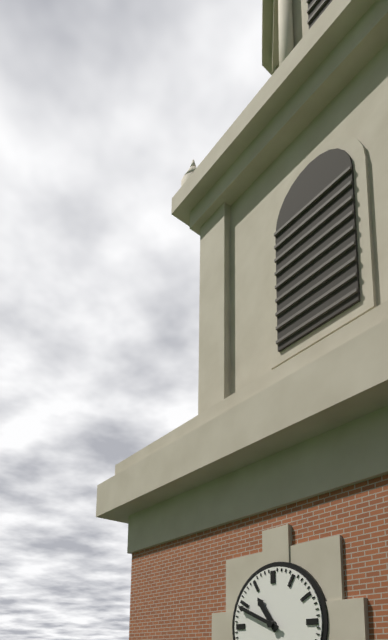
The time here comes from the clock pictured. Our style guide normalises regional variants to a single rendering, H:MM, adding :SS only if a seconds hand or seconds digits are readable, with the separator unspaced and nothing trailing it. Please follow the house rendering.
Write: 10:49
